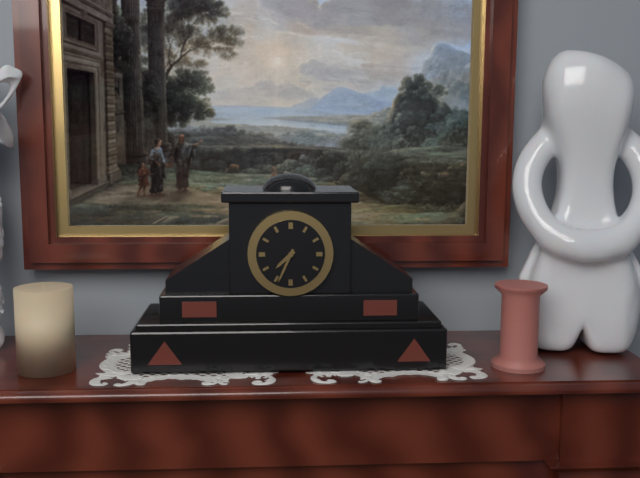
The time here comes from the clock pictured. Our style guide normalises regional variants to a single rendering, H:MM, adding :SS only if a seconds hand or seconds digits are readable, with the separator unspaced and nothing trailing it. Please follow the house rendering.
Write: 7:34
